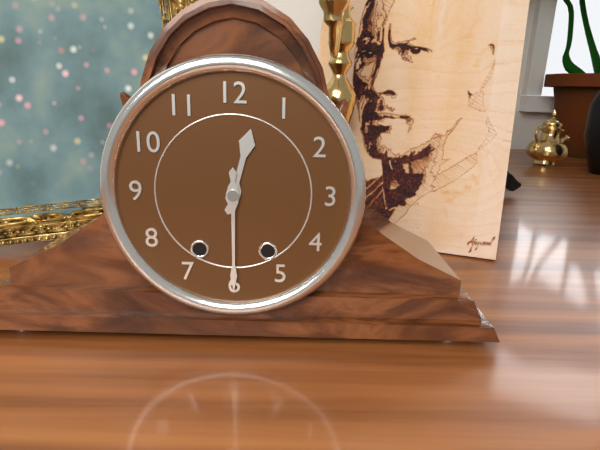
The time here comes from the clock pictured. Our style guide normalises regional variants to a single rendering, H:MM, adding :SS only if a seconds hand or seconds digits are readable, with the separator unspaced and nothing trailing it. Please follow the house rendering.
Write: 12:30
